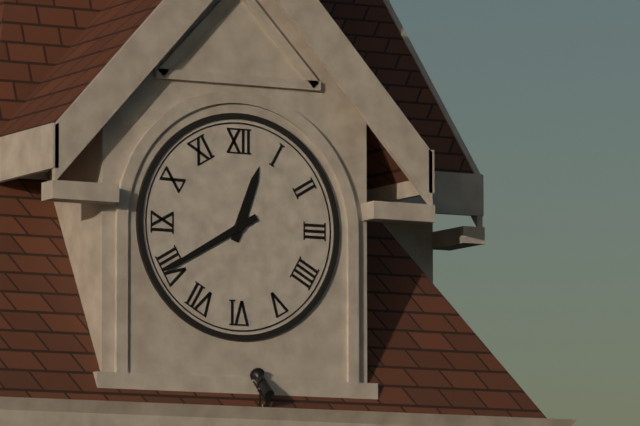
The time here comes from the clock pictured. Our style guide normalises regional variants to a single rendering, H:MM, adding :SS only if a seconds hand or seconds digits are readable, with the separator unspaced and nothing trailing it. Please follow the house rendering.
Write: 12:40
